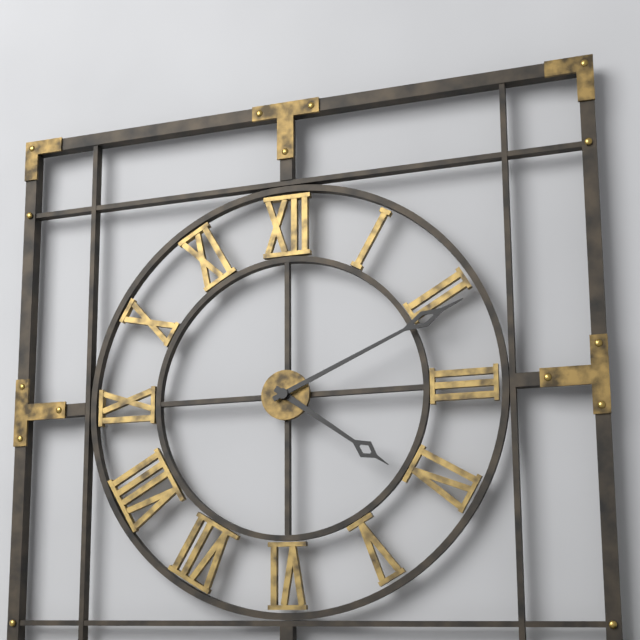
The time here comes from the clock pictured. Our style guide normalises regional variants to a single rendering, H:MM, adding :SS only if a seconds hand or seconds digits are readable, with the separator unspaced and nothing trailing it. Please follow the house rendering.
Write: 4:11
